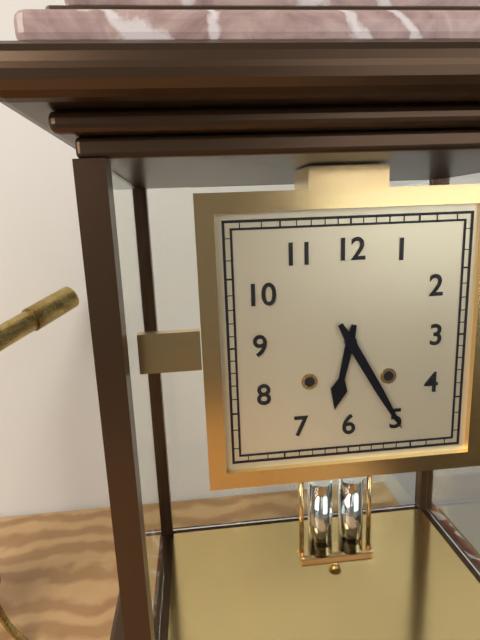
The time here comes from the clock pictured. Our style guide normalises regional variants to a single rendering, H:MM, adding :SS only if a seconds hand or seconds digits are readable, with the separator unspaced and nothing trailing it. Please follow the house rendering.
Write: 6:25
